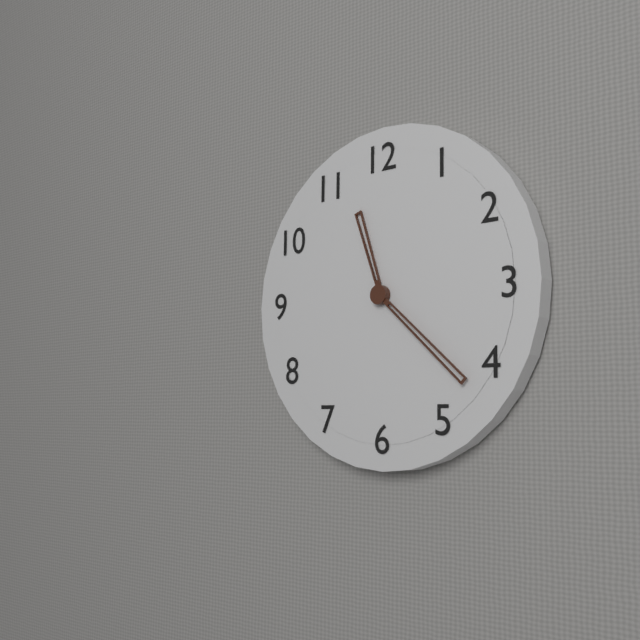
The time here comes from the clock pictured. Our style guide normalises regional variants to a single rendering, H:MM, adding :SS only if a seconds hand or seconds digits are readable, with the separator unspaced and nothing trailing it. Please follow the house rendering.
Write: 11:22
